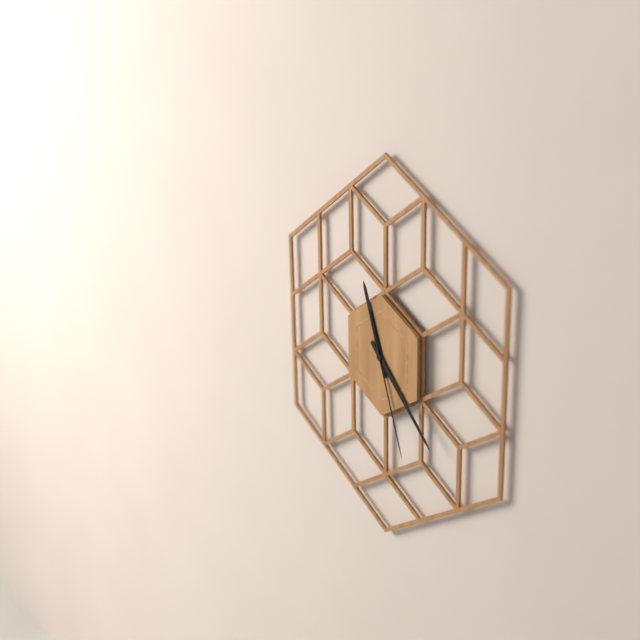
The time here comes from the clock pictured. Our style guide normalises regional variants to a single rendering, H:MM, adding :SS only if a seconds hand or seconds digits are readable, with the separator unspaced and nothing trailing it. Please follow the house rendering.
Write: 11:23:27
